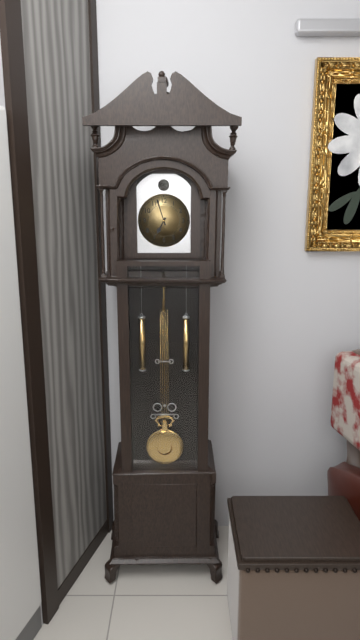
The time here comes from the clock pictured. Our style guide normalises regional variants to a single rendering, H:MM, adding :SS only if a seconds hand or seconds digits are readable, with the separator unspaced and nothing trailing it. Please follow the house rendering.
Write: 6:57
